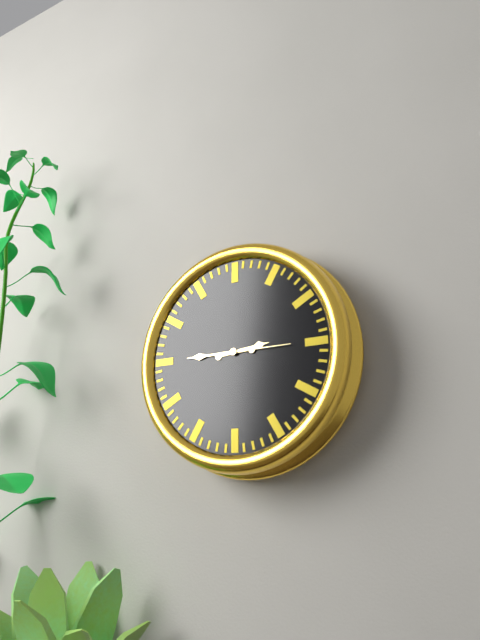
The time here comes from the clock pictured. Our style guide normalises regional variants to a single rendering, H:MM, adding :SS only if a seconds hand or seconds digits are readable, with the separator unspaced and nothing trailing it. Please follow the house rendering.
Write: 2:45:15
